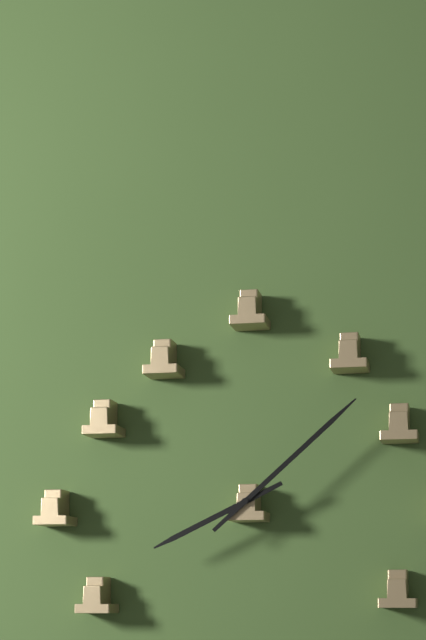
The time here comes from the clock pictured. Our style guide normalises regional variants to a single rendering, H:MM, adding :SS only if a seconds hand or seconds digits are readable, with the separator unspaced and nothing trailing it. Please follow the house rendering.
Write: 8:08
